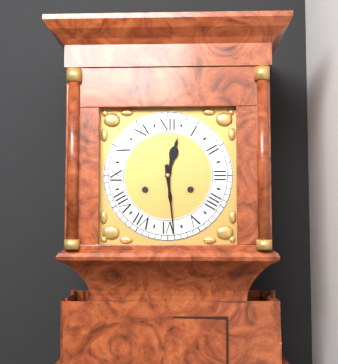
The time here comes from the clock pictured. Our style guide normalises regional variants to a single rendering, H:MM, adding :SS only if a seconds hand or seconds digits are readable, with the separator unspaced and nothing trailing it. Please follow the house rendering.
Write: 12:29
